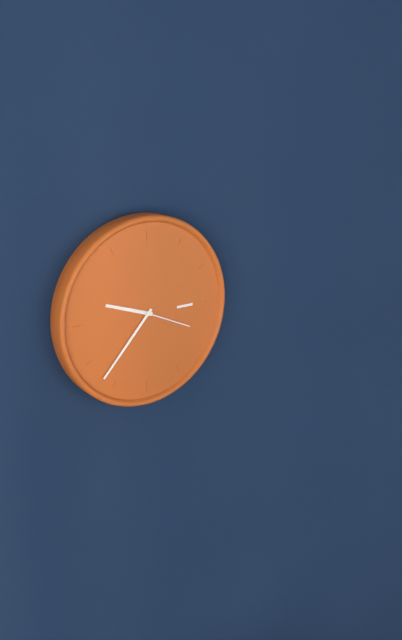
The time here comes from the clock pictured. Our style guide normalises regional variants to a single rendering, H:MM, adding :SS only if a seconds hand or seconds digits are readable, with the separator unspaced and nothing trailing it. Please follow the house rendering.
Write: 9:37:19
